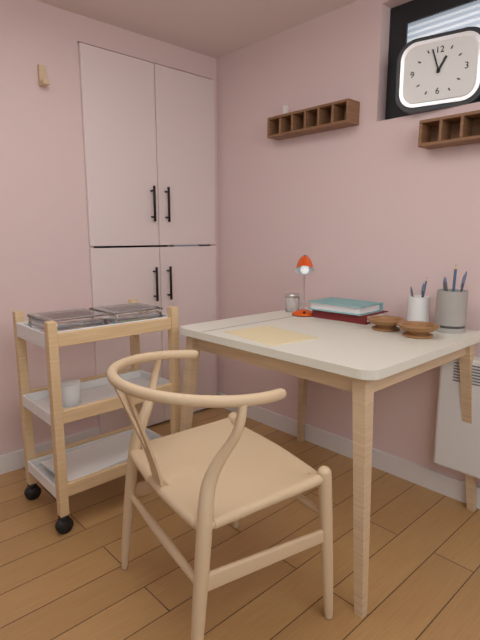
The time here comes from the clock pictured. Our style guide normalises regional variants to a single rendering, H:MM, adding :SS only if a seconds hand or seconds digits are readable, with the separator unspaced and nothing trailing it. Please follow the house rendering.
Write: 12:57
